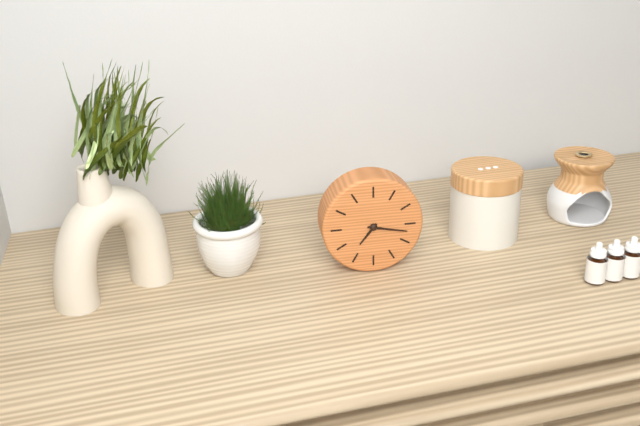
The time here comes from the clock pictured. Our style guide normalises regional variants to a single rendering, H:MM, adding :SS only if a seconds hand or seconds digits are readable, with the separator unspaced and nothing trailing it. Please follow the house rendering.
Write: 7:17
